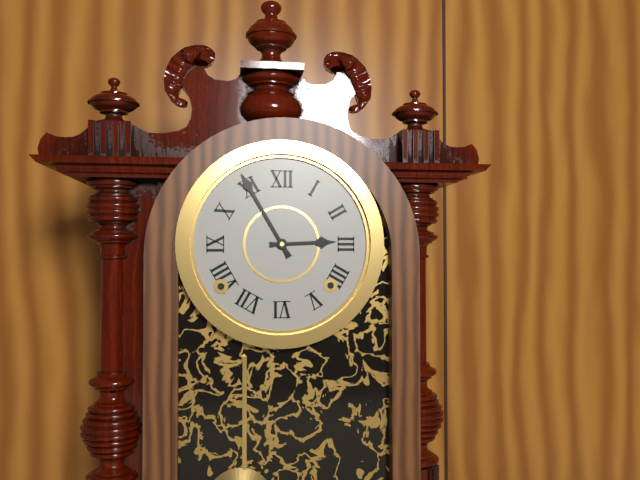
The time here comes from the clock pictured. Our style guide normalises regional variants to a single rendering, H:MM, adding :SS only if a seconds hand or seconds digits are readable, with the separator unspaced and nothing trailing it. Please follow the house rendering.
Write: 2:55
